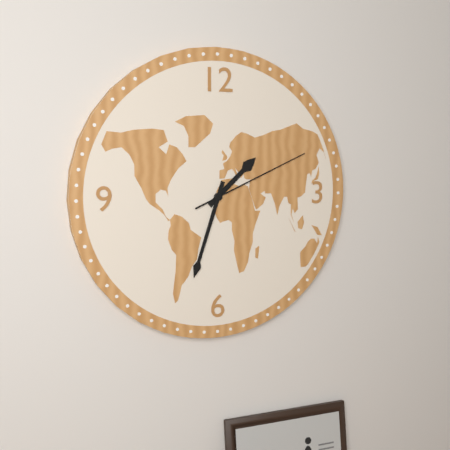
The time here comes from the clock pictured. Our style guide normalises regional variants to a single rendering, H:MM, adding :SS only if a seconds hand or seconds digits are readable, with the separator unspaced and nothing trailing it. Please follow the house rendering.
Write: 1:33:11
